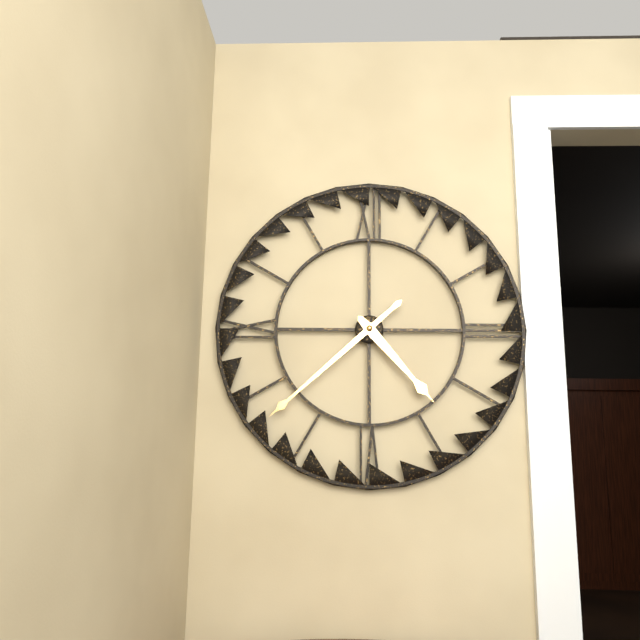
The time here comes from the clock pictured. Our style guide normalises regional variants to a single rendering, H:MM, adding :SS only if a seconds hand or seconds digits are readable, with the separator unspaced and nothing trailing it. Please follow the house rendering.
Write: 4:38
